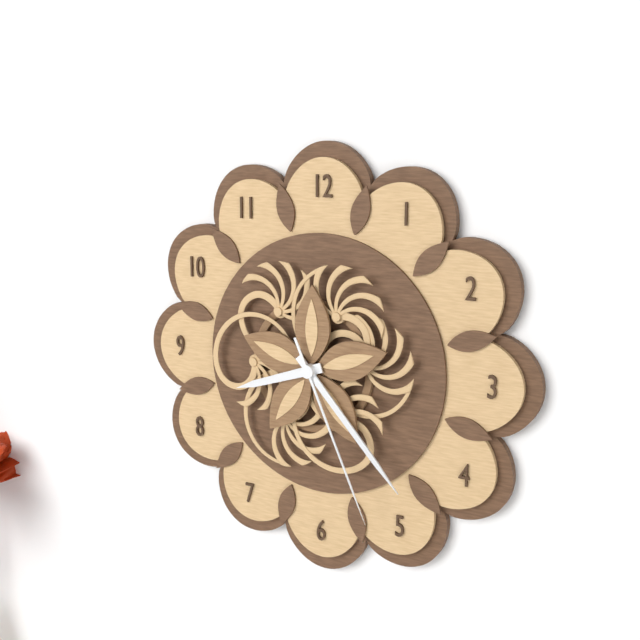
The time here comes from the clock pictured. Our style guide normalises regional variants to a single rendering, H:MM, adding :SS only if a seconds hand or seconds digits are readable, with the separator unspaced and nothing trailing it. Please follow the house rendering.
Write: 8:23:26
